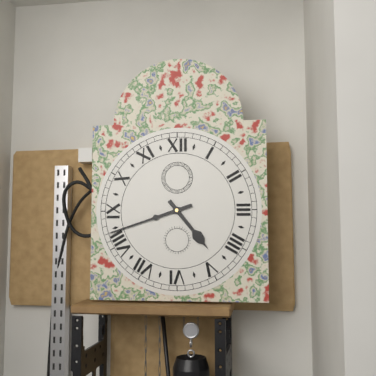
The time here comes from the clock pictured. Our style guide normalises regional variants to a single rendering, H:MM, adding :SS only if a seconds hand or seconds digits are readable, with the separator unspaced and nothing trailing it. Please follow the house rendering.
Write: 4:42
